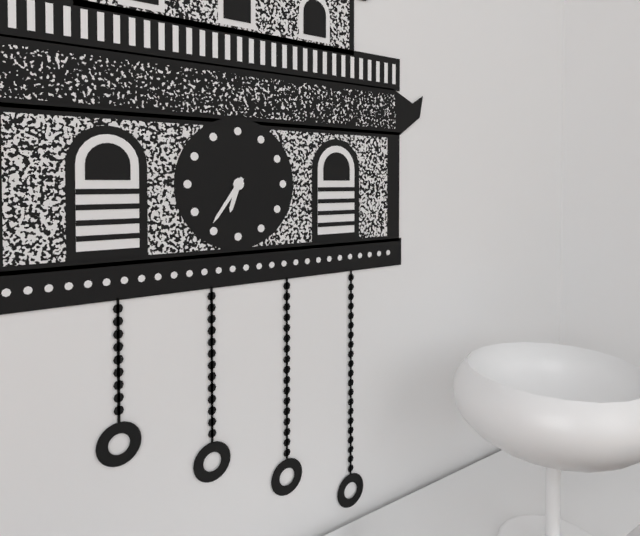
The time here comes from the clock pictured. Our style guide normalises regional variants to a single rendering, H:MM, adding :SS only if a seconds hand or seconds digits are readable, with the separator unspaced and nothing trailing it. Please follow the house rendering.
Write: 6:36
